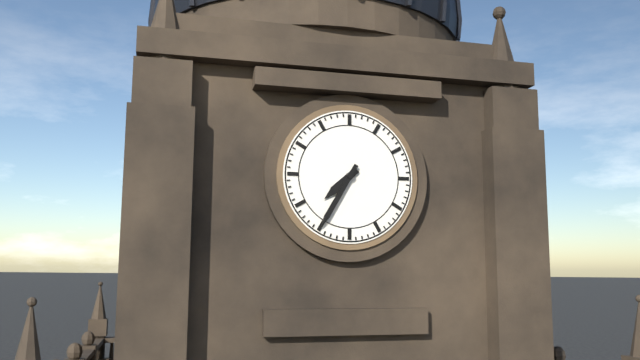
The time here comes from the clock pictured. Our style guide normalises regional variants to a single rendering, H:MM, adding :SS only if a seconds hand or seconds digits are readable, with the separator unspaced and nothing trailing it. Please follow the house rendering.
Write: 7:35
